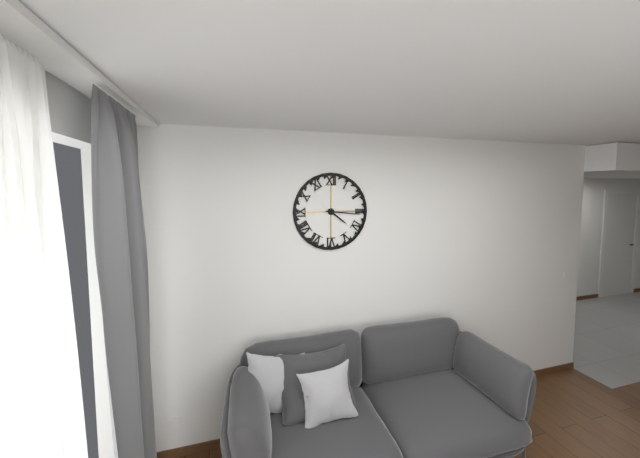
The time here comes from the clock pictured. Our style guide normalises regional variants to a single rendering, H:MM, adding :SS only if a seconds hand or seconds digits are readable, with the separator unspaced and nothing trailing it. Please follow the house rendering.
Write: 4:16
